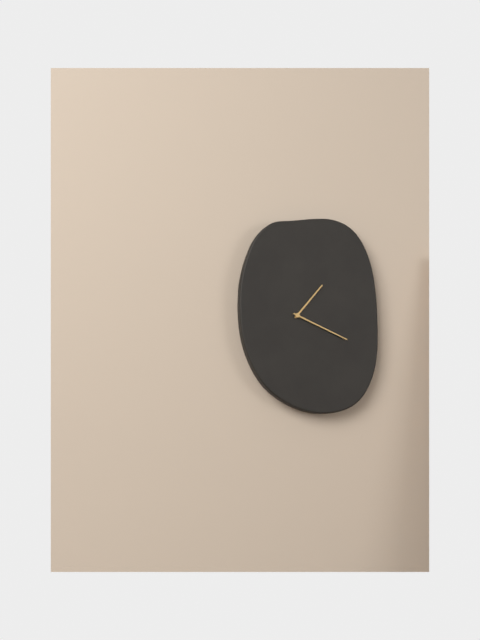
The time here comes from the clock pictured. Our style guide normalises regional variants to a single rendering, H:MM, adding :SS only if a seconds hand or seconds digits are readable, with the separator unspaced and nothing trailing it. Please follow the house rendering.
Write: 1:19
